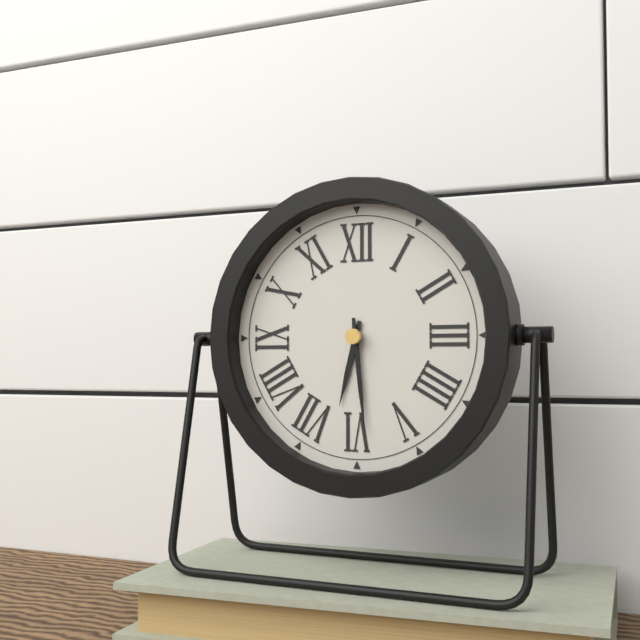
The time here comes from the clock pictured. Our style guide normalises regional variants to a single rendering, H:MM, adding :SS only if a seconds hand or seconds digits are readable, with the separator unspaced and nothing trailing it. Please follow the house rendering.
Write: 6:29
